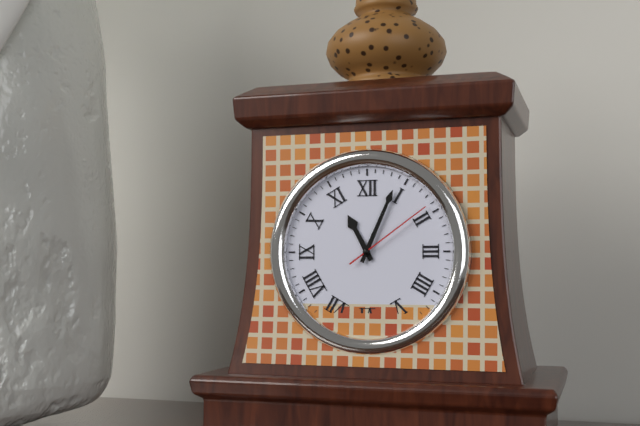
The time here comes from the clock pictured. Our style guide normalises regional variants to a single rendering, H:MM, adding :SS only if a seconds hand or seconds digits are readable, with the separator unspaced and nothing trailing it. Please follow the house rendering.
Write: 11:04:09
